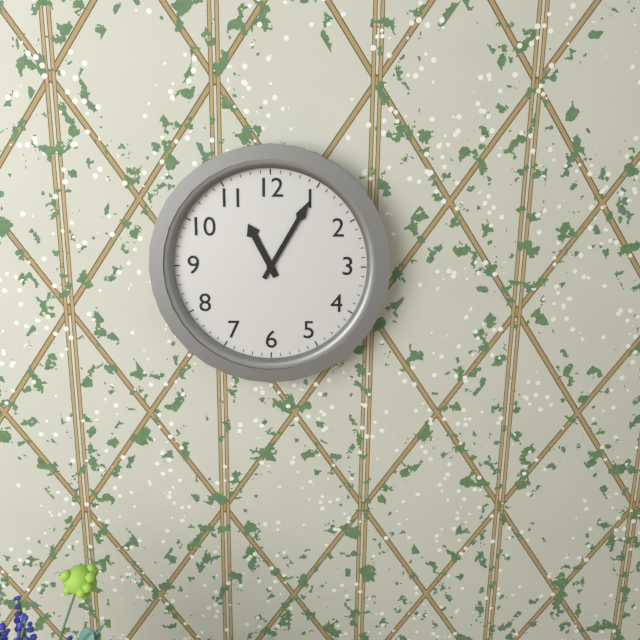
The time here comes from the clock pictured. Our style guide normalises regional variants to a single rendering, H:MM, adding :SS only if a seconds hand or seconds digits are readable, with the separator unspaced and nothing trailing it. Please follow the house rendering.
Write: 11:05
